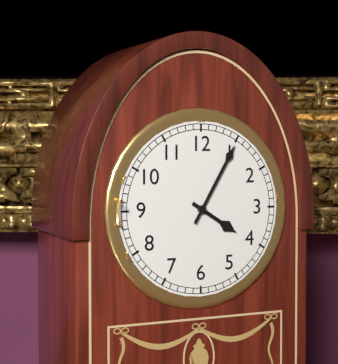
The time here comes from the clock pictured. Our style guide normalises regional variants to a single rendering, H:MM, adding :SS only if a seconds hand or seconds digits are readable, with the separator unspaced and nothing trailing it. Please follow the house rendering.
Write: 4:05
